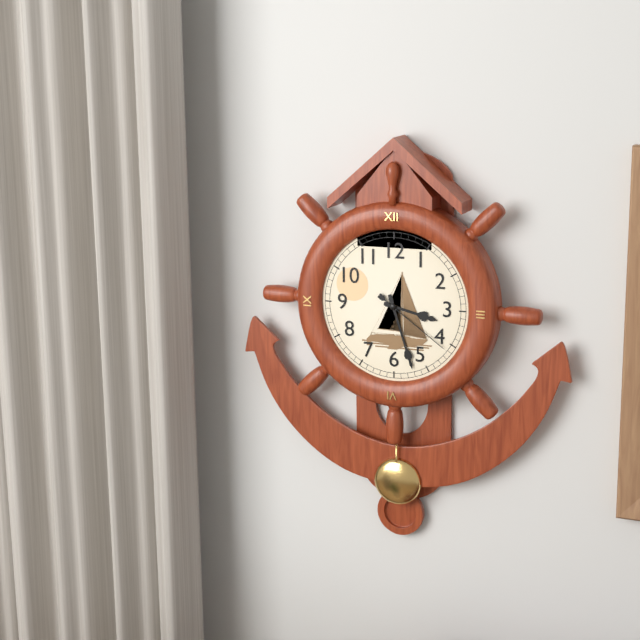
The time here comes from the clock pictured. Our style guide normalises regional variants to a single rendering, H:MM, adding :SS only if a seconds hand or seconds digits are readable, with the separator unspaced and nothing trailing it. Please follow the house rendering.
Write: 3:27:21
